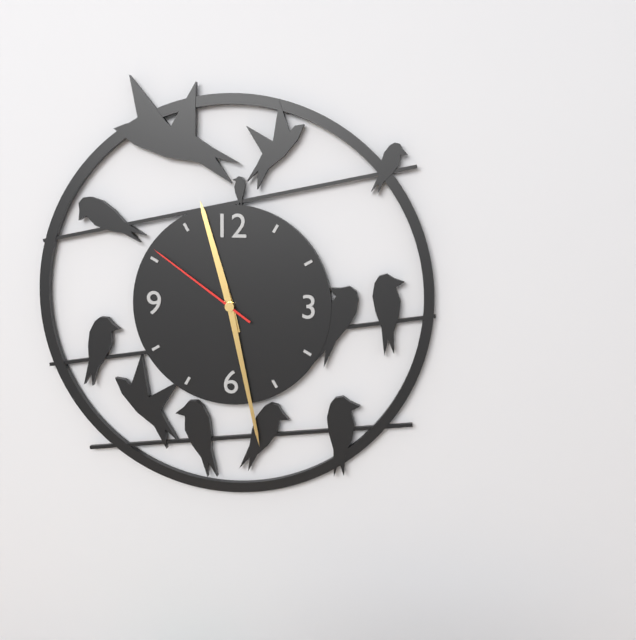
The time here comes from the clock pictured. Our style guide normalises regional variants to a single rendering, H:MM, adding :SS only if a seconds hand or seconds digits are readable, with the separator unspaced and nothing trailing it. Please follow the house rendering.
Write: 11:28:51
